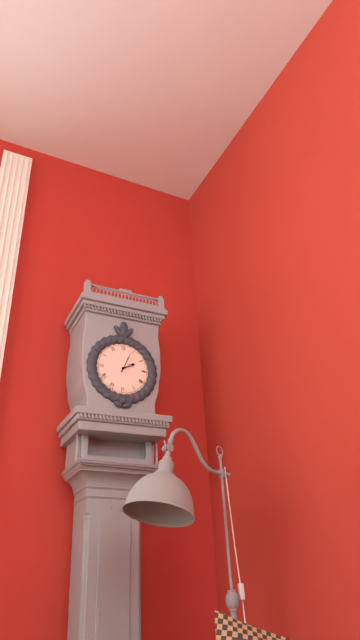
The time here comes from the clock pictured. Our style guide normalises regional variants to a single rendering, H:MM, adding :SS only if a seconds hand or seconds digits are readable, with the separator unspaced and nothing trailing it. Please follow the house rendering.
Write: 2:04
